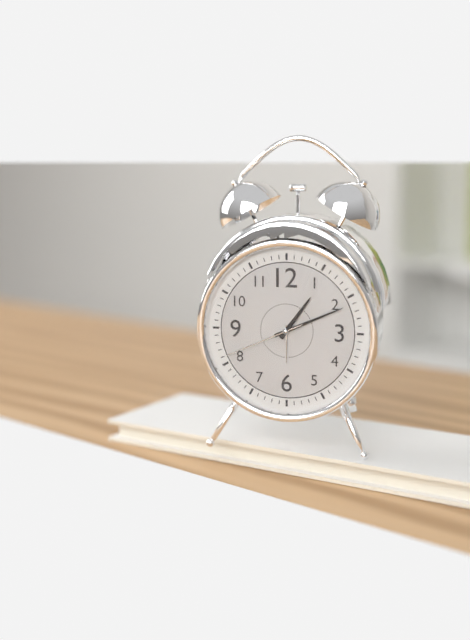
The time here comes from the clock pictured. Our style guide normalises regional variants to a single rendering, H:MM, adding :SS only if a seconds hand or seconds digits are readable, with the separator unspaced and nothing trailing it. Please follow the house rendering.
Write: 1:11:41
